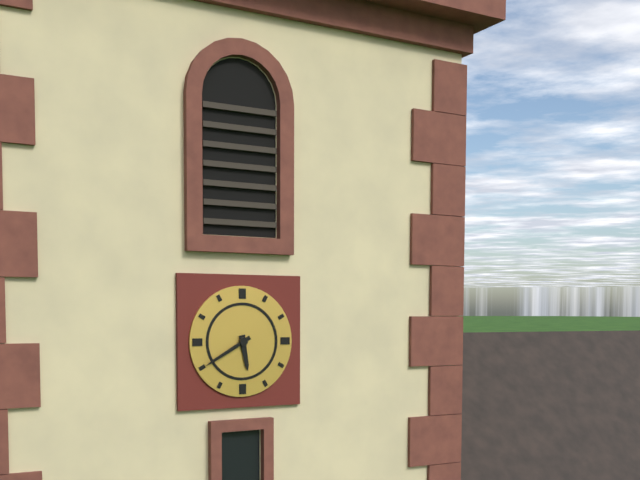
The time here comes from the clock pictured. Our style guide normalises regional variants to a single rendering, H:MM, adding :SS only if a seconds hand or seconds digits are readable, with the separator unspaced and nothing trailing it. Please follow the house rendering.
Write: 5:40
